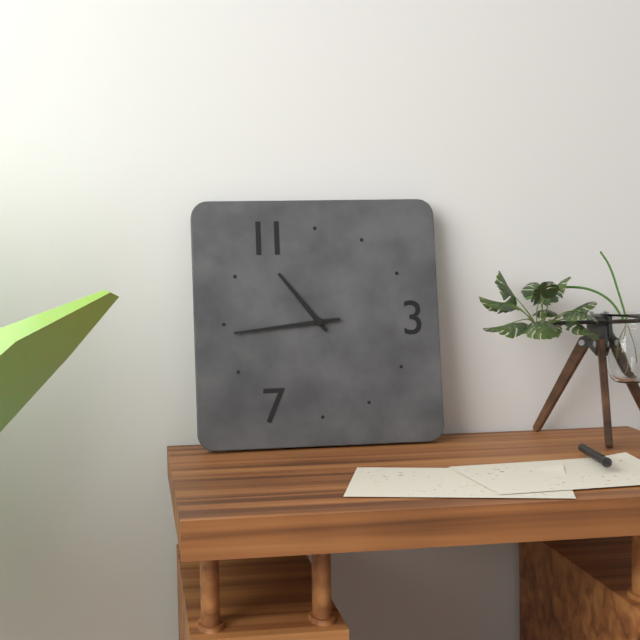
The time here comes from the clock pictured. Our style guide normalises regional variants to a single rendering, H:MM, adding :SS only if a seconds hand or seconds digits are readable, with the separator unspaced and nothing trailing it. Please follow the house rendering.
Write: 10:44
